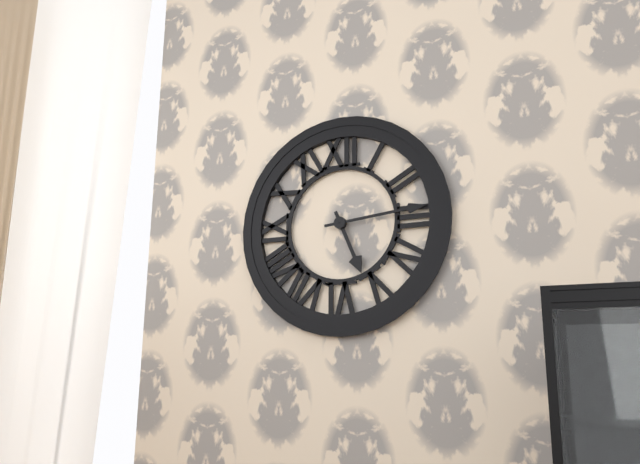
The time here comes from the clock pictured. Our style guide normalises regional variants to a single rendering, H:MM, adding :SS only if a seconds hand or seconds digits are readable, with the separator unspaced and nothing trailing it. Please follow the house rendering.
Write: 5:14
